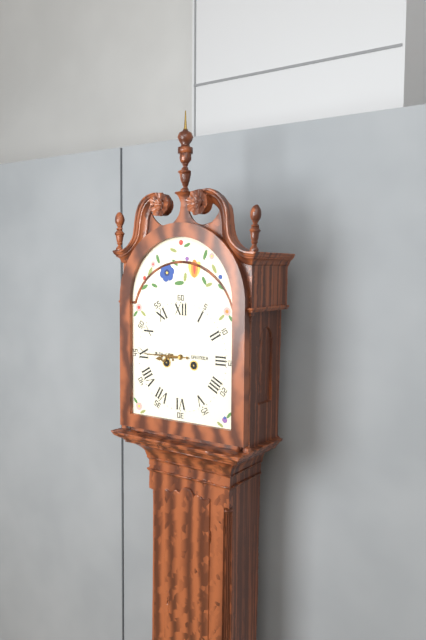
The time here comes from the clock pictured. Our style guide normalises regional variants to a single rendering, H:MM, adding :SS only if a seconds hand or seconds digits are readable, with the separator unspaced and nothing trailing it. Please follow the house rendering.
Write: 8:45
